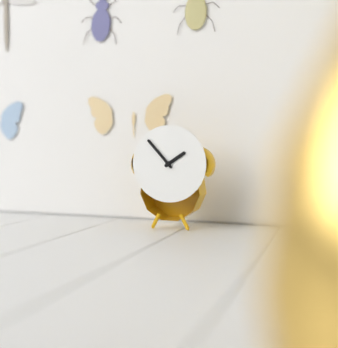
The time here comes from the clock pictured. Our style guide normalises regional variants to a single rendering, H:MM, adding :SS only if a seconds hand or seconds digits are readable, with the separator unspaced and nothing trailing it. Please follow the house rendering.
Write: 1:53
